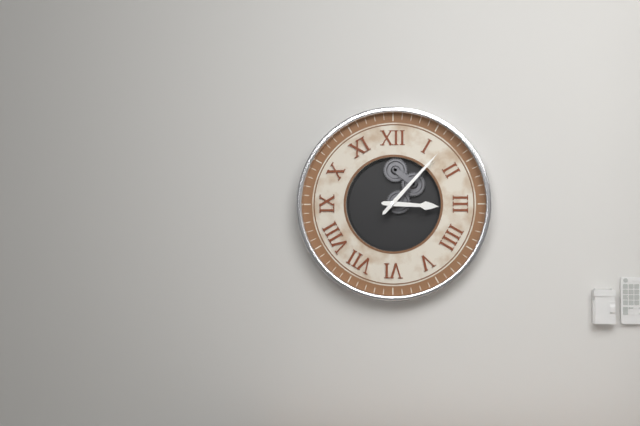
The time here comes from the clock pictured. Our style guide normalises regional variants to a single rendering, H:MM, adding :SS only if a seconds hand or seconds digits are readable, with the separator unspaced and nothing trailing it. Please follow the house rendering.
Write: 3:07
